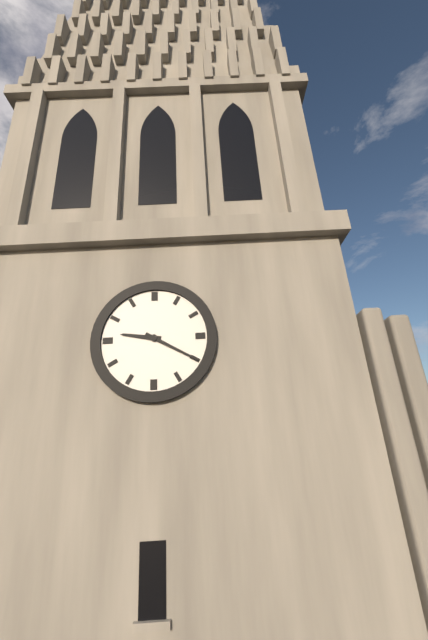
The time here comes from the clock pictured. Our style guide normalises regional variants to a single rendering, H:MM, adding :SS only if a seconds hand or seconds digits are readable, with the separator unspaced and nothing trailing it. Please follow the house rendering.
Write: 9:20
